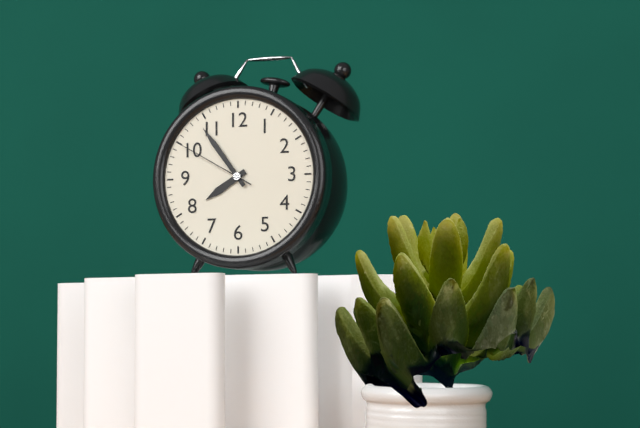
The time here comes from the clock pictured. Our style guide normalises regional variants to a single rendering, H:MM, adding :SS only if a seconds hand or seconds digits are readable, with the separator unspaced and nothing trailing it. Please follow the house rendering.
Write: 7:54:50
